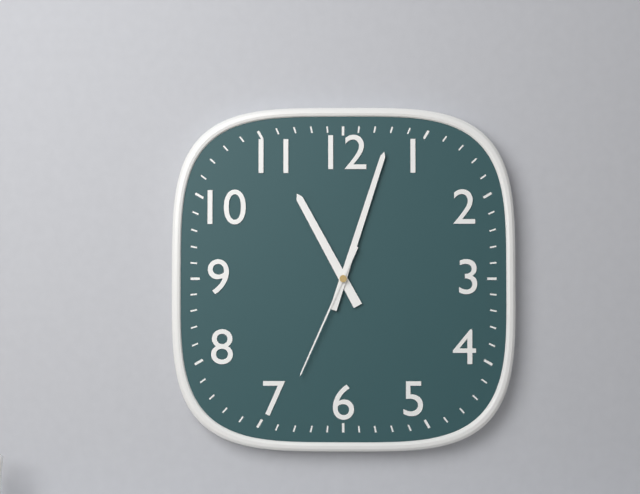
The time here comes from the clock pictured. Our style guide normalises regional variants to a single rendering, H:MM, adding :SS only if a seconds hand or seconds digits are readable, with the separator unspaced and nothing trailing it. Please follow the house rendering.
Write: 11:03:34
